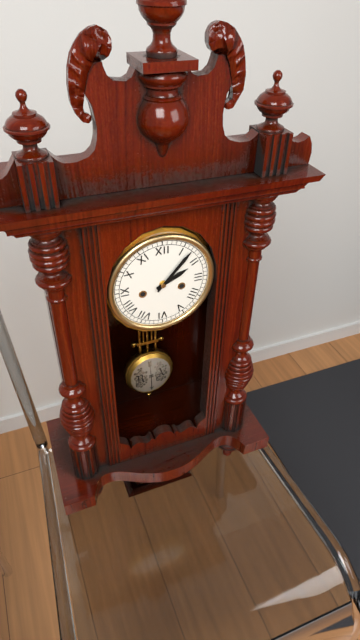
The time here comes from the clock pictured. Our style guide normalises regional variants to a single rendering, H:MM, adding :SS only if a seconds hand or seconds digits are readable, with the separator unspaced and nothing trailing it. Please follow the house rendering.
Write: 2:07
